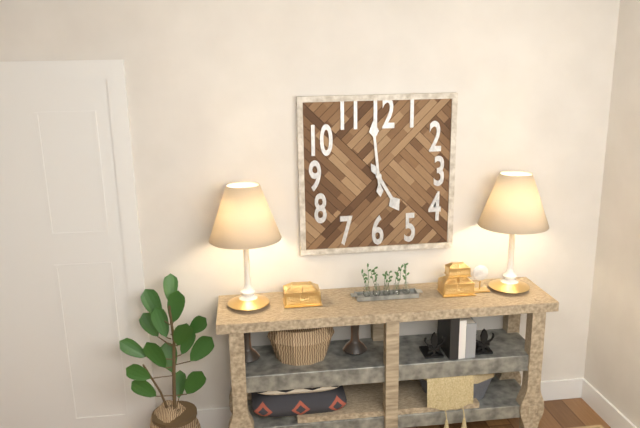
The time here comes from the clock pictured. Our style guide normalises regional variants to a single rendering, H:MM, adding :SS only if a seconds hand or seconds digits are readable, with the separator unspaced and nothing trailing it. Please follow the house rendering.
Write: 4:59
